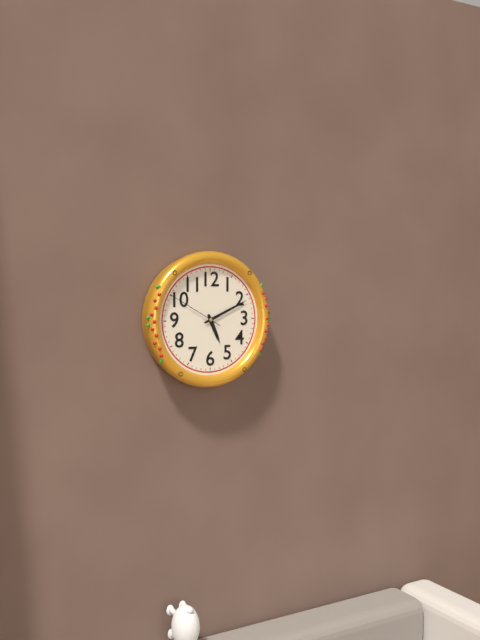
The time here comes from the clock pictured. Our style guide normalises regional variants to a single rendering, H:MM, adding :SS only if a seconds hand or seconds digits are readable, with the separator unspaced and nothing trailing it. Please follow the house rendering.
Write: 5:11:50
